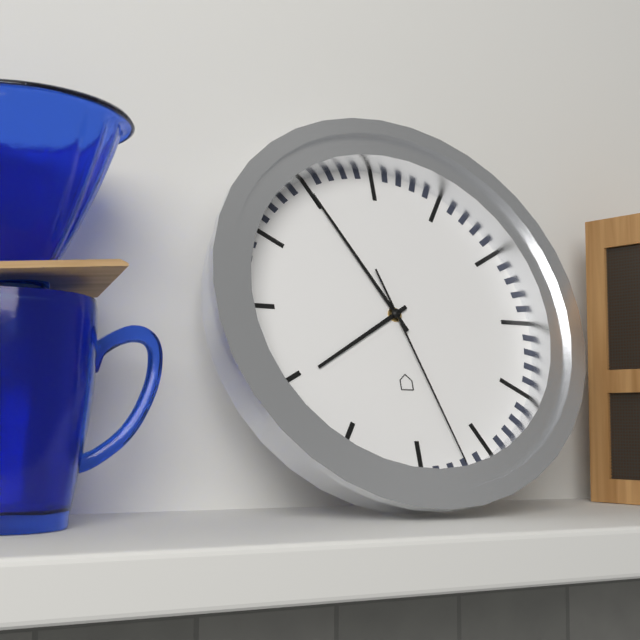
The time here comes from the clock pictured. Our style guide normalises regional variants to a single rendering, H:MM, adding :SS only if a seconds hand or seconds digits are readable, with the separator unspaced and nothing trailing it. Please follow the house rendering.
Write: 7:55:27
